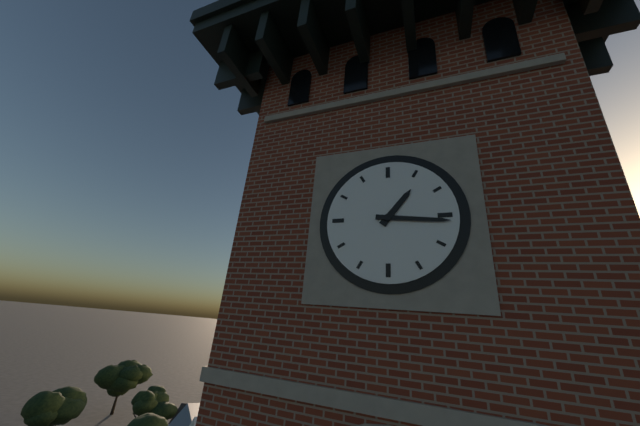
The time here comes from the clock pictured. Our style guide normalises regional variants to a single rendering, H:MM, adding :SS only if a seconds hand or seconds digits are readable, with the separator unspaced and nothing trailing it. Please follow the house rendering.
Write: 1:16
